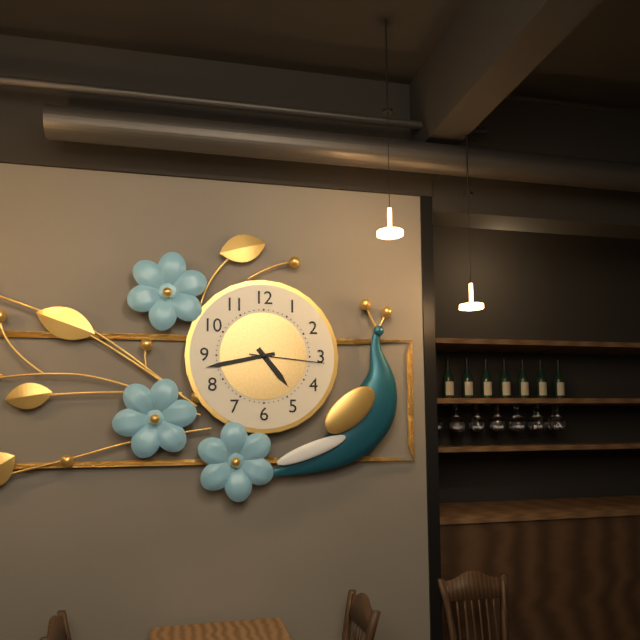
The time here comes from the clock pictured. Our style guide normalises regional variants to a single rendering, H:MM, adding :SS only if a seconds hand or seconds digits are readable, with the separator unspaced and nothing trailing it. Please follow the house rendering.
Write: 4:43:16
